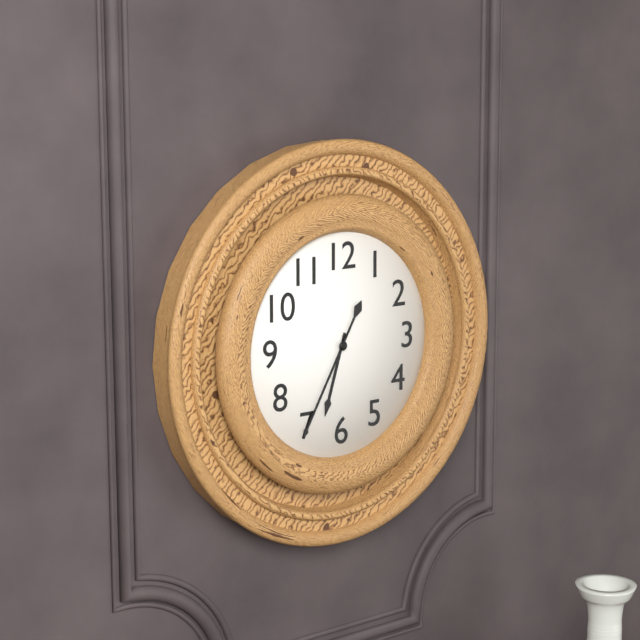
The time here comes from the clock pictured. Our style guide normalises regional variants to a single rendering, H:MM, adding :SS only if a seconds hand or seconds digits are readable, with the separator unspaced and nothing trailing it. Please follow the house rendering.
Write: 6:35
